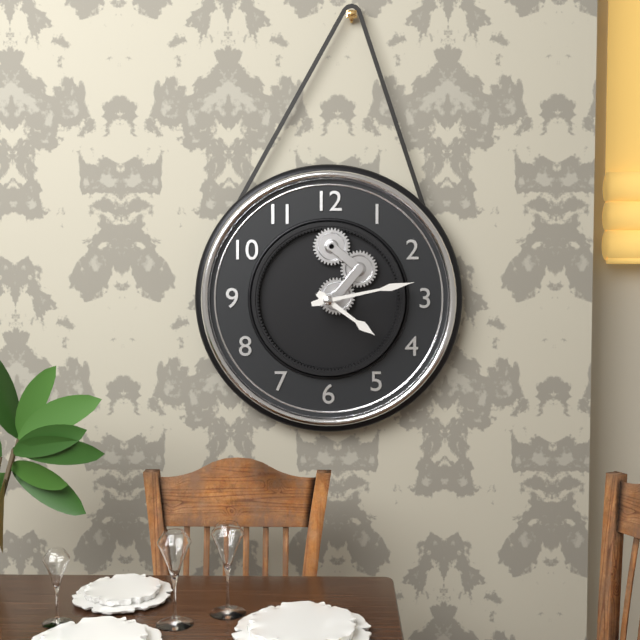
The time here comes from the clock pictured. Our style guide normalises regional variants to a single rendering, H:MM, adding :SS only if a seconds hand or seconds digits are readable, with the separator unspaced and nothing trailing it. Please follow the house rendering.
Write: 4:13
